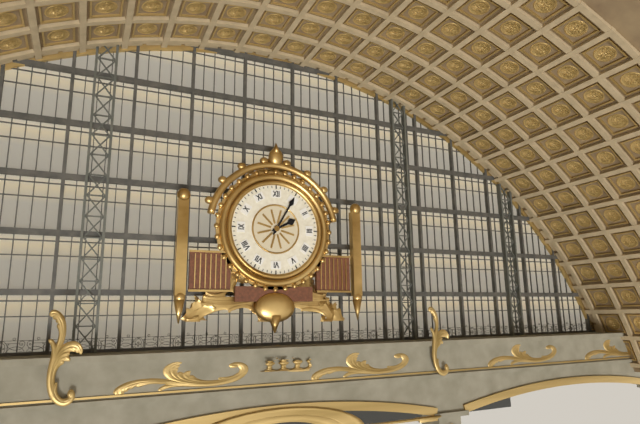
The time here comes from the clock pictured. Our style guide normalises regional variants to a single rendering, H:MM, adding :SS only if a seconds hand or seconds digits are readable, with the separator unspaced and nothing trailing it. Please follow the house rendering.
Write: 2:05
